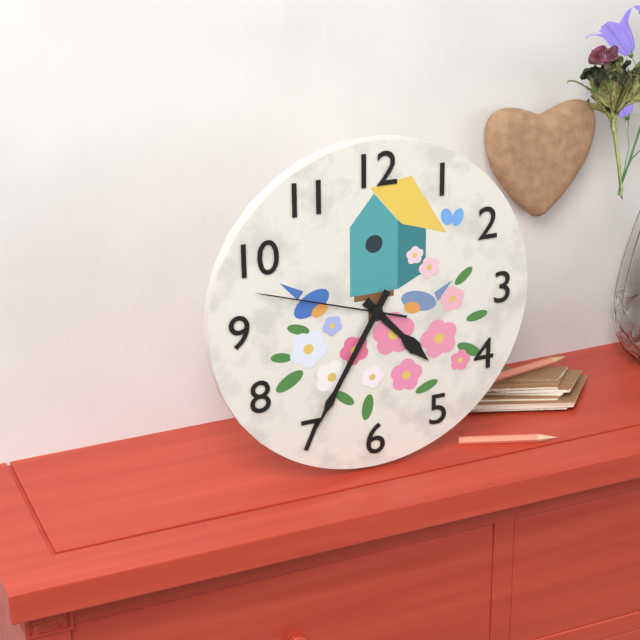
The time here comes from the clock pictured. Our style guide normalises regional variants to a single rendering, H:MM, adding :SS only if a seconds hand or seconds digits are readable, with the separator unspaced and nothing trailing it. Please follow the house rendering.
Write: 4:35:48
